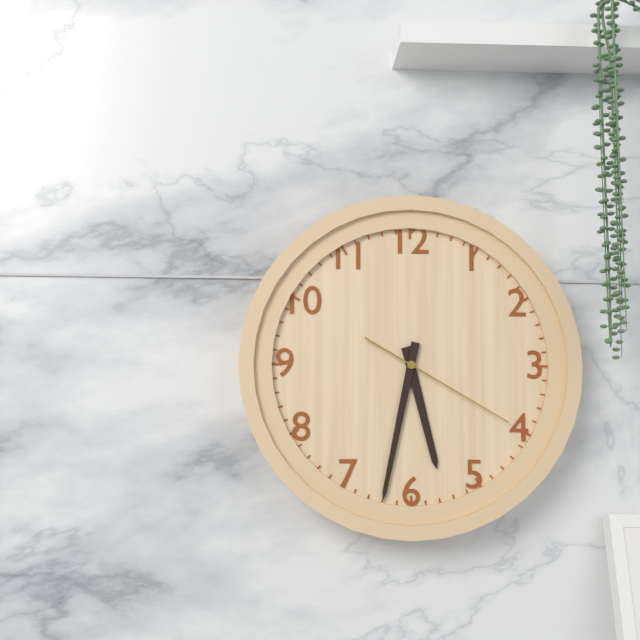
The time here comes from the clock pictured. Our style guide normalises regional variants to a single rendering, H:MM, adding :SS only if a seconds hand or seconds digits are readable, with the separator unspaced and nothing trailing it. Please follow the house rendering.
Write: 5:32:20
